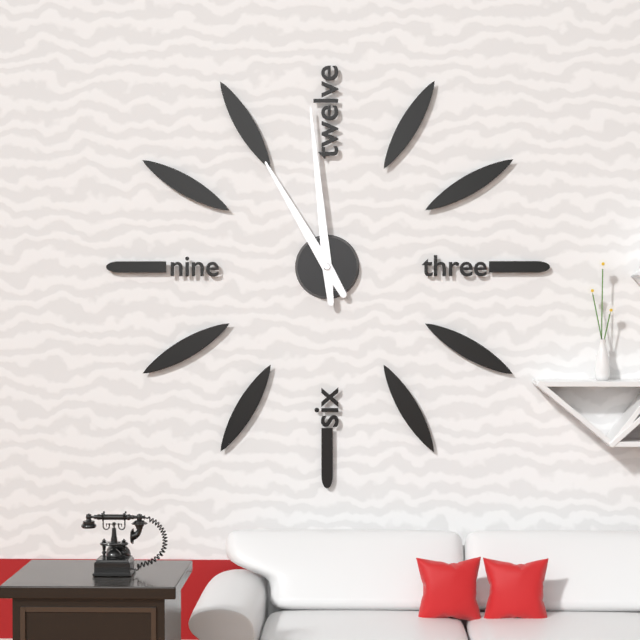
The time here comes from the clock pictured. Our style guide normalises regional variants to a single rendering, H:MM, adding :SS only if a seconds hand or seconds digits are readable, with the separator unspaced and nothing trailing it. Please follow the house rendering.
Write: 10:59
